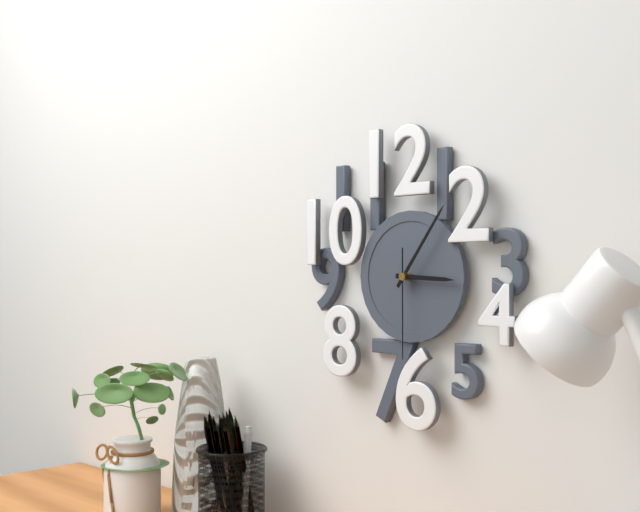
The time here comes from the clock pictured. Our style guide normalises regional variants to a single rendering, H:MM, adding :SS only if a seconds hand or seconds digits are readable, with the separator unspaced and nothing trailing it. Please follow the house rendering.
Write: 3:06:30
